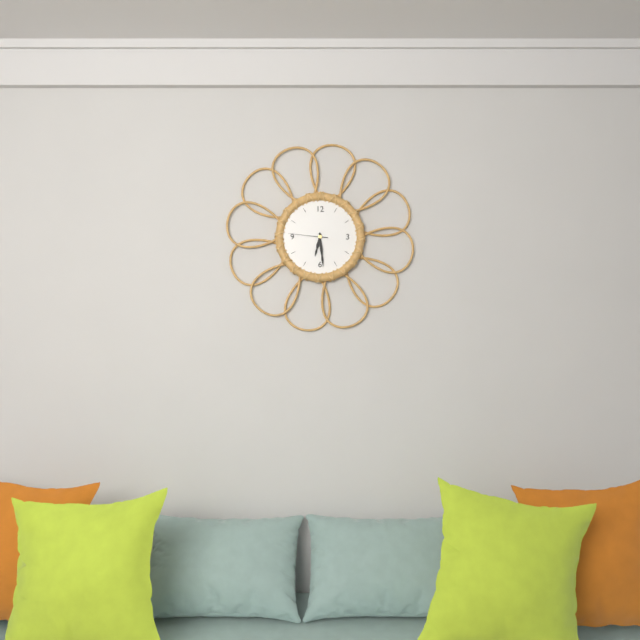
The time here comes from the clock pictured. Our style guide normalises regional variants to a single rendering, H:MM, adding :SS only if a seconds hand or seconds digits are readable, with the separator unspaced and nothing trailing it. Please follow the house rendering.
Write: 6:29
